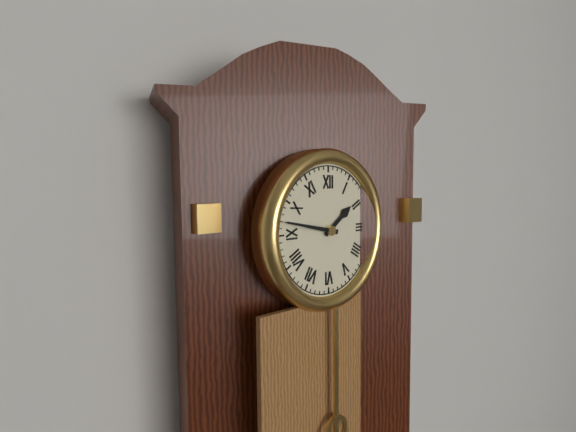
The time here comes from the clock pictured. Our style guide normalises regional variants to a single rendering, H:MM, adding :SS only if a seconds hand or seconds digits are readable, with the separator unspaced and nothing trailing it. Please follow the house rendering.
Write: 1:47
